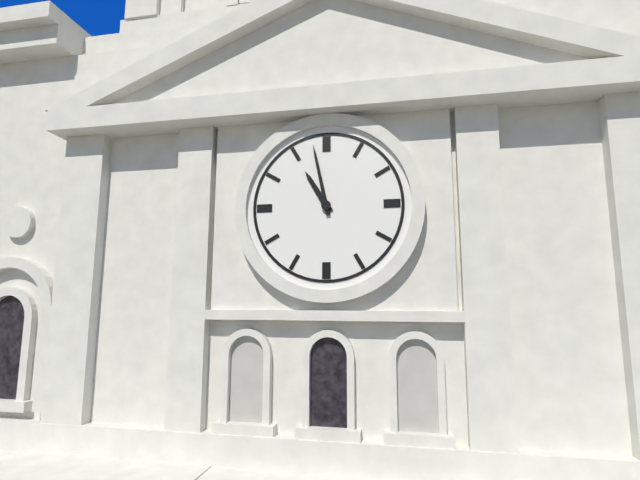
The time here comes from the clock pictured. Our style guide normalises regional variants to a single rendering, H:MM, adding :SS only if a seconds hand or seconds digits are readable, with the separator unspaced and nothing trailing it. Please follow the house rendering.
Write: 10:58
